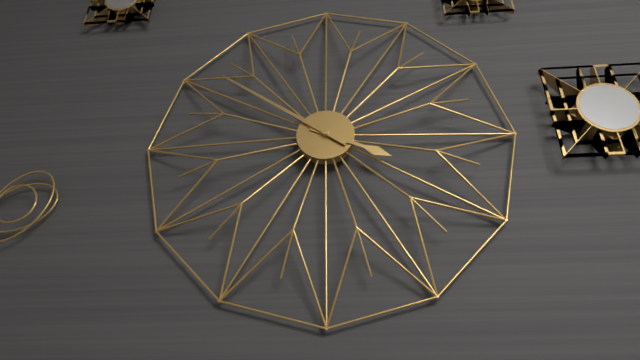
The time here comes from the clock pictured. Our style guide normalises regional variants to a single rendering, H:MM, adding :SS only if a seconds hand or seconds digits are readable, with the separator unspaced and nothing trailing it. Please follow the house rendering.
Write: 3:51
